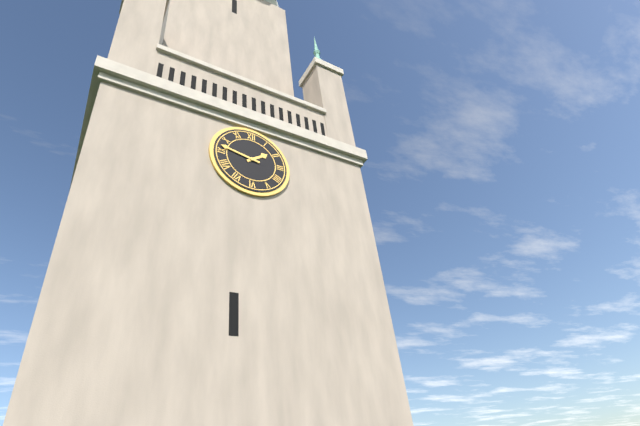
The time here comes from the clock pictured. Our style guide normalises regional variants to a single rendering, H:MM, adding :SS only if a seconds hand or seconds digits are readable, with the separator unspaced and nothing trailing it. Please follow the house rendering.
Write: 1:47
